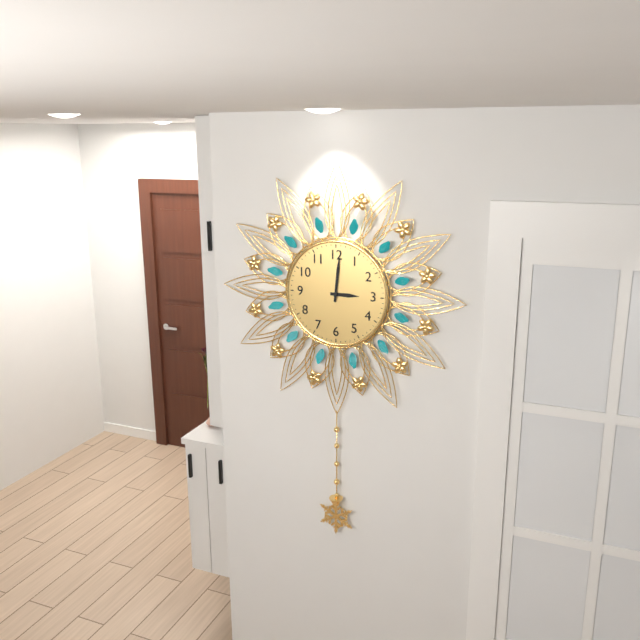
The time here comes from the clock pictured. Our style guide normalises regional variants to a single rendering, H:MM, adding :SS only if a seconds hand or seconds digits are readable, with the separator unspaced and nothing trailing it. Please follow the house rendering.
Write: 3:01
